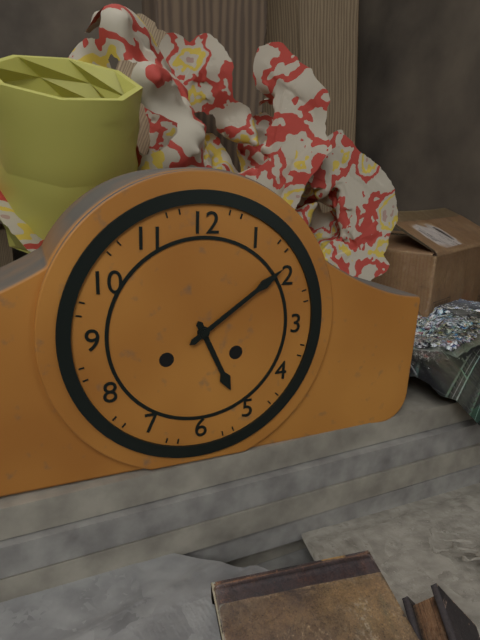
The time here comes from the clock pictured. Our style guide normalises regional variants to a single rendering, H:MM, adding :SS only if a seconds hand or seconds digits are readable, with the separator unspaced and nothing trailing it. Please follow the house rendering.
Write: 5:09
